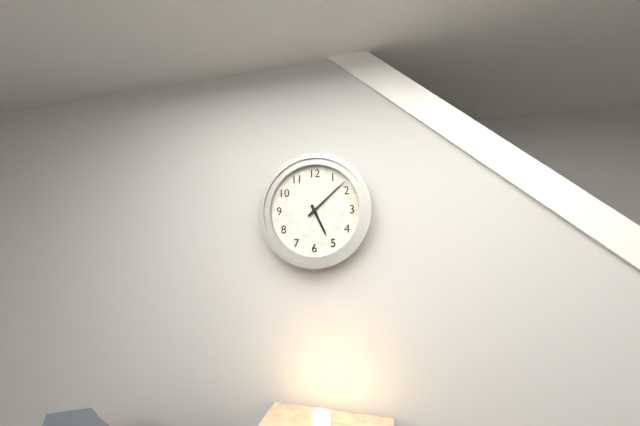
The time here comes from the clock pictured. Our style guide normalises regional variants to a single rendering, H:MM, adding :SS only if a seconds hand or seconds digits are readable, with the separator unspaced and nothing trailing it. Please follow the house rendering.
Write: 5:08
